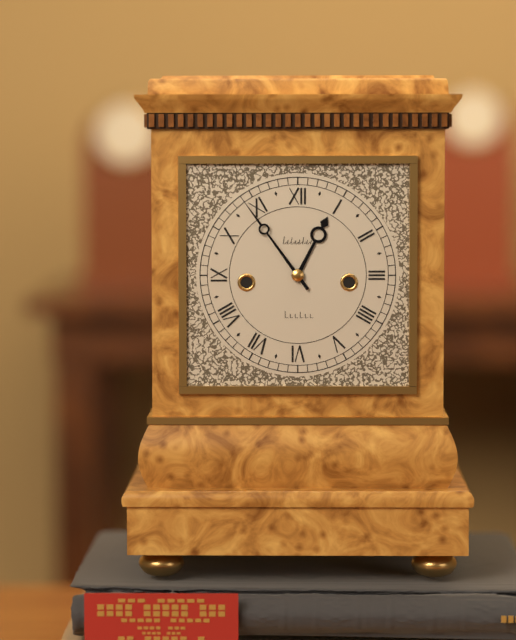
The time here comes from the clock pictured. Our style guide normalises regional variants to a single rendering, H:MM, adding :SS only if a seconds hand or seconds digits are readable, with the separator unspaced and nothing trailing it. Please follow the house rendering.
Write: 12:54
